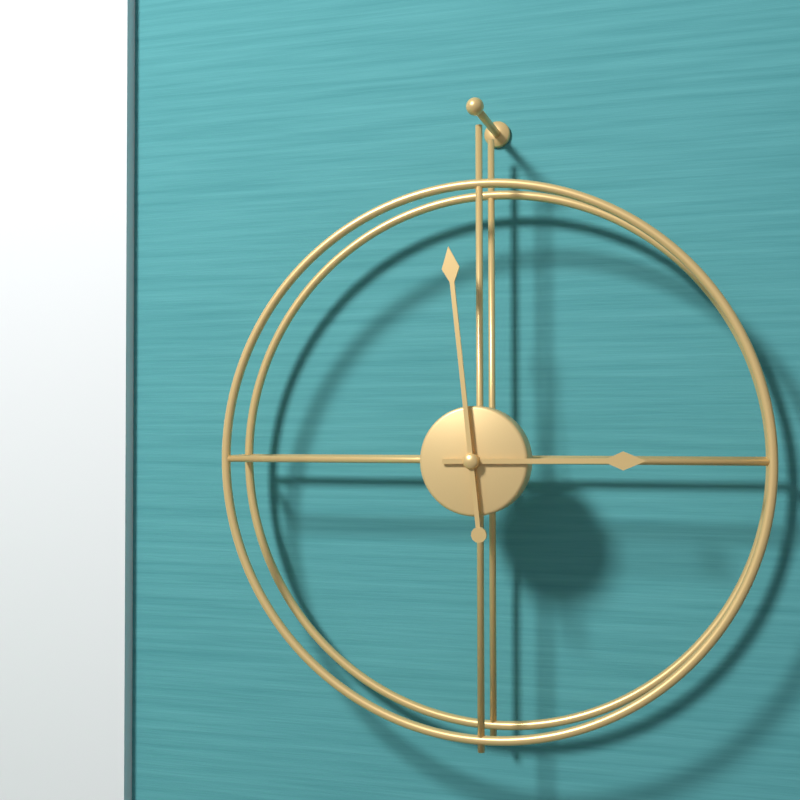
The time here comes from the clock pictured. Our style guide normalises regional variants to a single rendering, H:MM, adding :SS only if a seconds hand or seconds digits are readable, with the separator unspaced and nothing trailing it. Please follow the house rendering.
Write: 2:59
